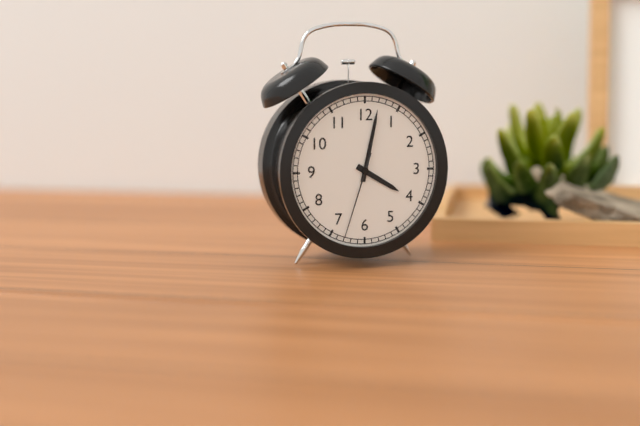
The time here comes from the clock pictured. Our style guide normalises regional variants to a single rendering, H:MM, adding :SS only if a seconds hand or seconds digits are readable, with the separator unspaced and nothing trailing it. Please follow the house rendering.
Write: 4:02:33
